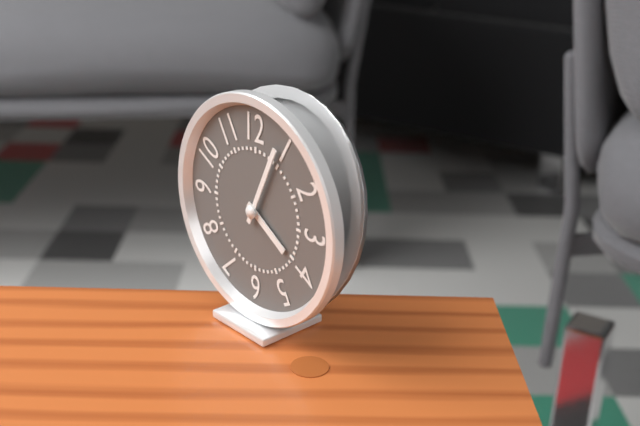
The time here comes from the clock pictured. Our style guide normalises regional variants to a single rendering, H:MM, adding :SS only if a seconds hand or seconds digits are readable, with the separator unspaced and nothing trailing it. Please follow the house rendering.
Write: 4:04
